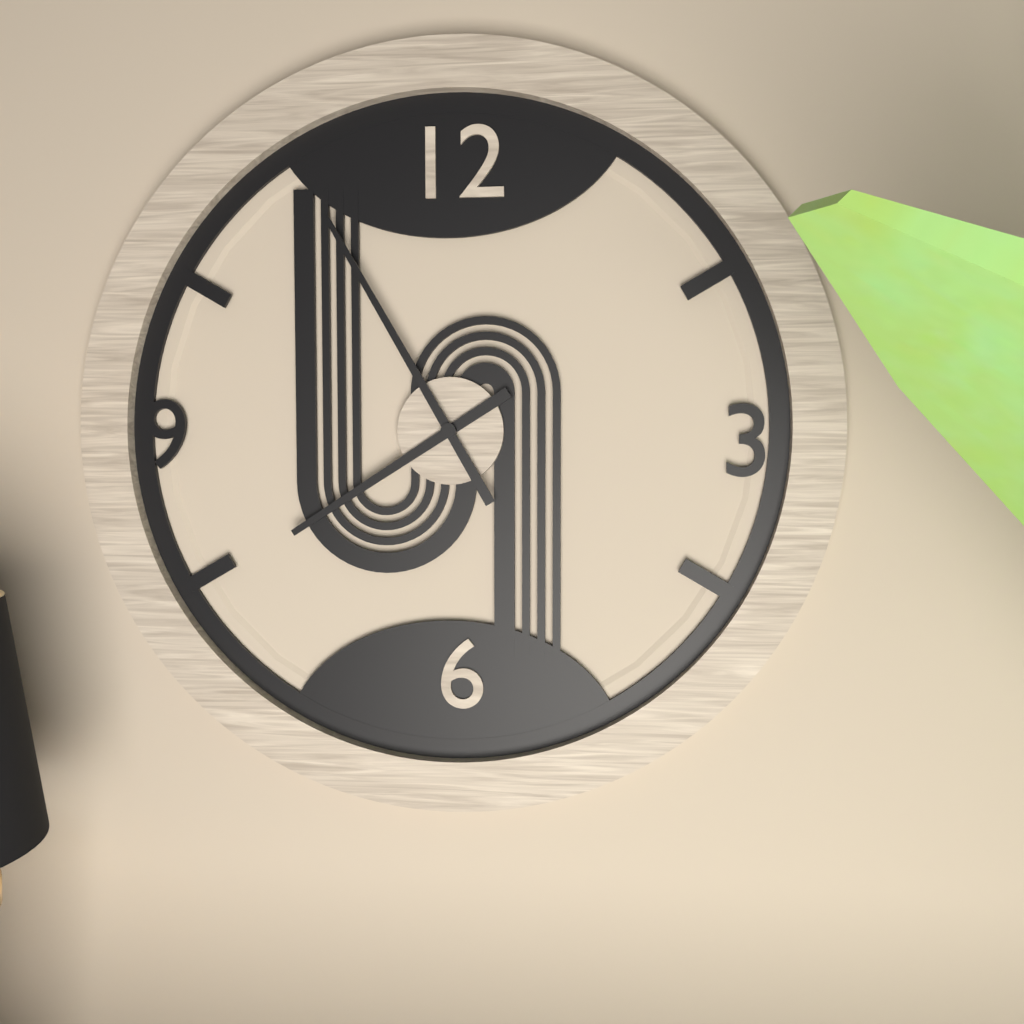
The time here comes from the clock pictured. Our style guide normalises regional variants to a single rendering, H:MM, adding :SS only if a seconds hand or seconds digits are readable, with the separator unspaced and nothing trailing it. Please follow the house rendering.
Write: 7:55
